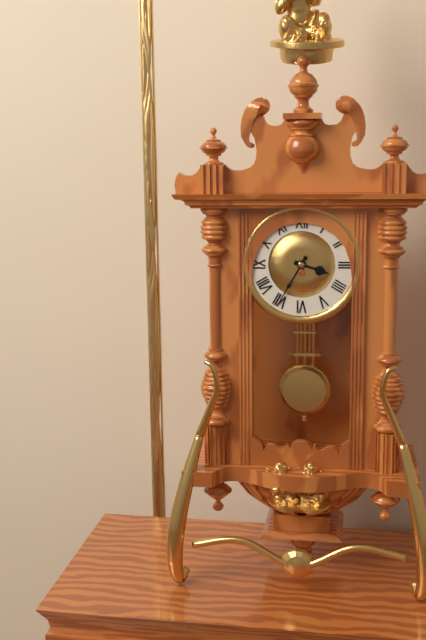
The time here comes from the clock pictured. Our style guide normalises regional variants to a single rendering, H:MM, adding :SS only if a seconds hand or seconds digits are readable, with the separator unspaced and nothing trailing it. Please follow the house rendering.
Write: 3:35
